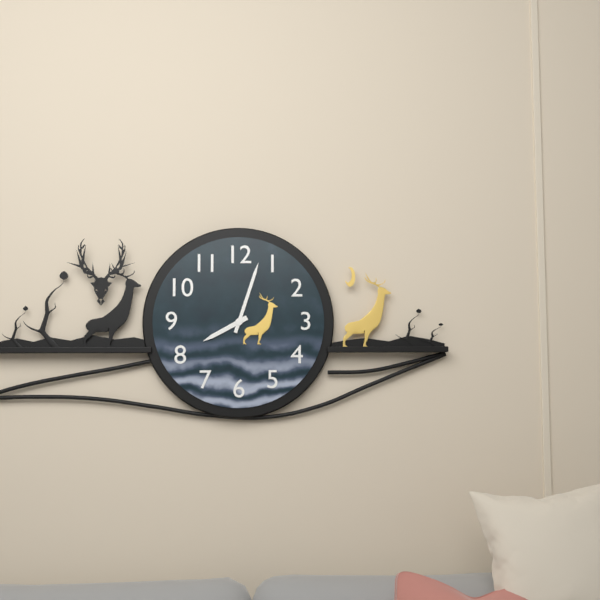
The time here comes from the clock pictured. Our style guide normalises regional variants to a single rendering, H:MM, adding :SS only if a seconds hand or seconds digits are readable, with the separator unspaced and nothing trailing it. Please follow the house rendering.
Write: 8:03
